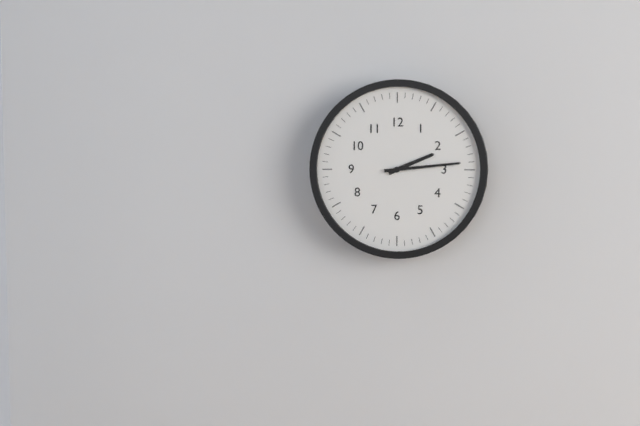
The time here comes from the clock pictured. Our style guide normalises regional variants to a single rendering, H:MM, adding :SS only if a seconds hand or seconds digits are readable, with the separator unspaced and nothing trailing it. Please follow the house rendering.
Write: 2:14
